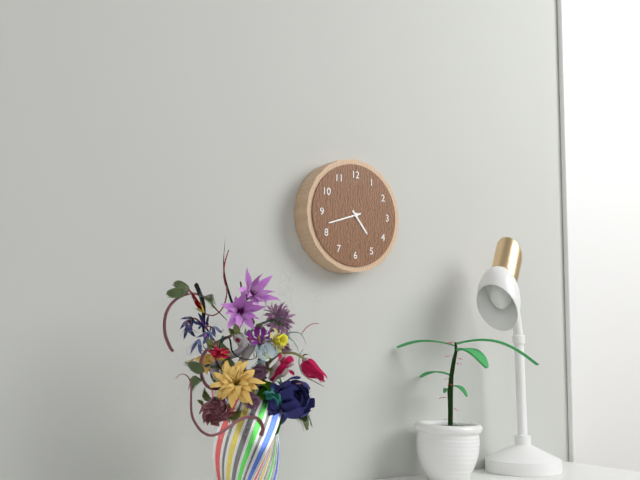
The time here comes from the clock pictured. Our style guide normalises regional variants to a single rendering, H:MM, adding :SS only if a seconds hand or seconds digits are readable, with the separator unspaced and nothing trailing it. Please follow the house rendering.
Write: 4:42
